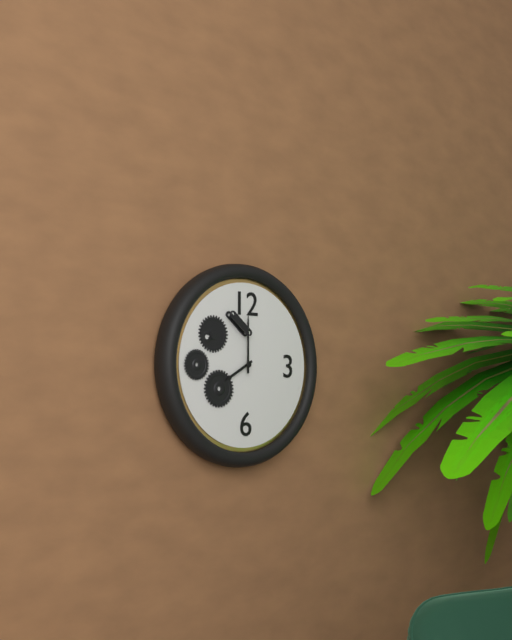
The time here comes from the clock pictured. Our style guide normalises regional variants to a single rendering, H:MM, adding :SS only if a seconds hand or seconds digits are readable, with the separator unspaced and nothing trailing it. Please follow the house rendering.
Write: 8:00
